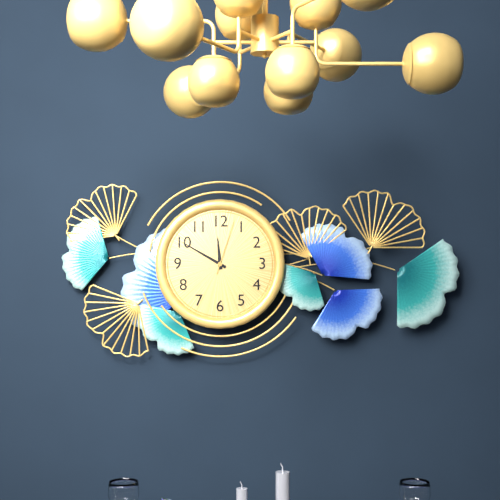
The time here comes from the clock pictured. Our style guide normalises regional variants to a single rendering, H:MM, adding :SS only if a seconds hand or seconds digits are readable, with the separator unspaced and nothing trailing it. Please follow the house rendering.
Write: 11:50:03
